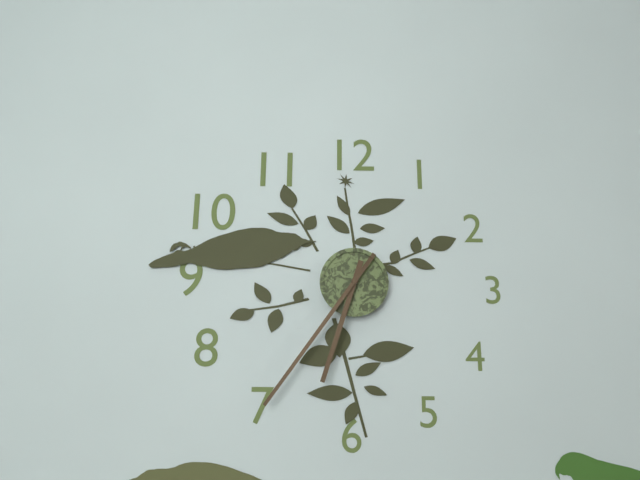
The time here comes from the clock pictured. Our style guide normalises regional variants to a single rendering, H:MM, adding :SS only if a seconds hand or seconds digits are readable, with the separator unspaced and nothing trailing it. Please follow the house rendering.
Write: 6:36
